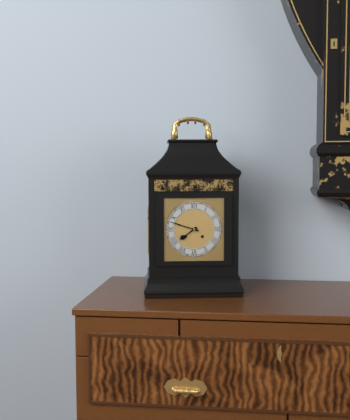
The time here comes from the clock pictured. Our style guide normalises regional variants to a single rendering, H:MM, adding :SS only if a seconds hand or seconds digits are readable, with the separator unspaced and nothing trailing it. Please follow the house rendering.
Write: 7:48
